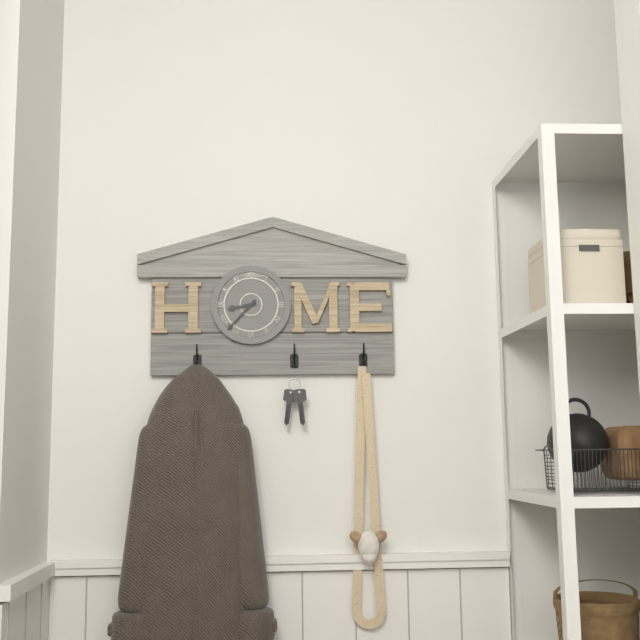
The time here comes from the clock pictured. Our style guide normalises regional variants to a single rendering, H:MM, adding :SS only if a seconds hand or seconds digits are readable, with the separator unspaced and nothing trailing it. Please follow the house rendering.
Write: 8:37
